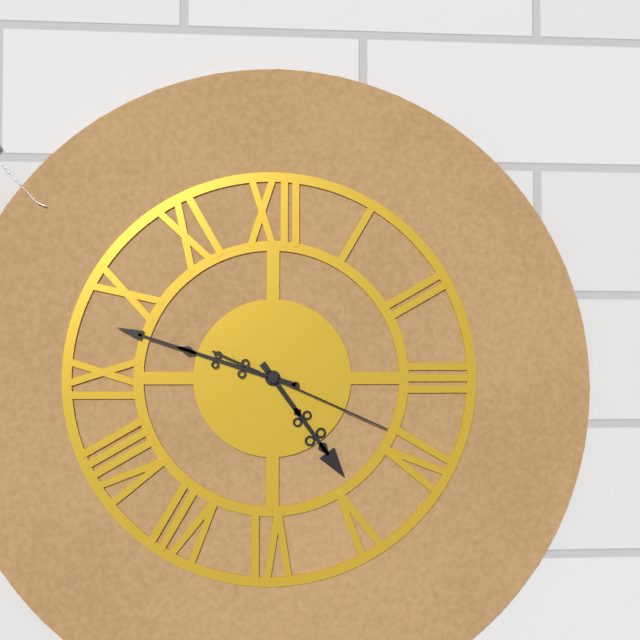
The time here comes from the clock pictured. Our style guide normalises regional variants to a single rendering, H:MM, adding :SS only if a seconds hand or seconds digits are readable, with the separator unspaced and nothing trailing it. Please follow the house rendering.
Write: 4:48:19
